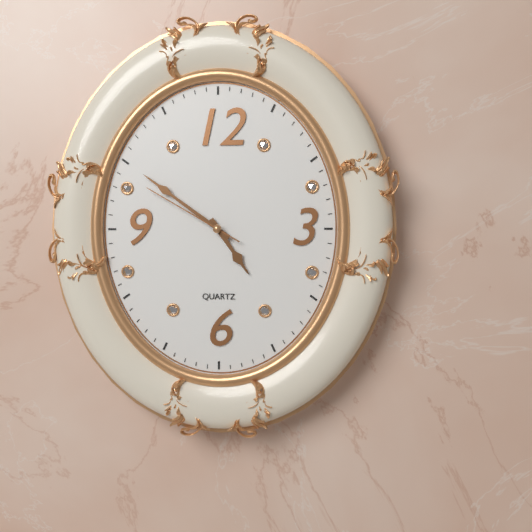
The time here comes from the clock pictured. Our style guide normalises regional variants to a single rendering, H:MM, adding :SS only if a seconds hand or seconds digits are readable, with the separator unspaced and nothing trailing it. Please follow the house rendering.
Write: 4:51:50
